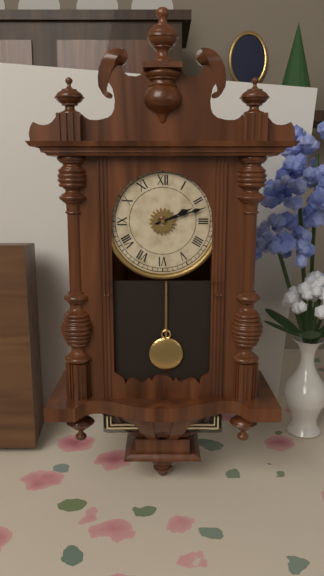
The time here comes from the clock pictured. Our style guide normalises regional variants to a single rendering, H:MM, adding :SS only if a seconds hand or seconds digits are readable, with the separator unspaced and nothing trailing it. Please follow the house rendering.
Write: 2:12
